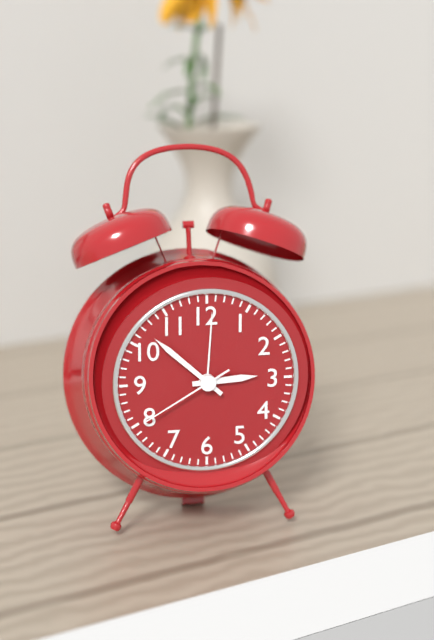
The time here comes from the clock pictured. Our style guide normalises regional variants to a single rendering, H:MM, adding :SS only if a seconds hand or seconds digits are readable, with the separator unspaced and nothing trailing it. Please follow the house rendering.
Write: 2:52:40
